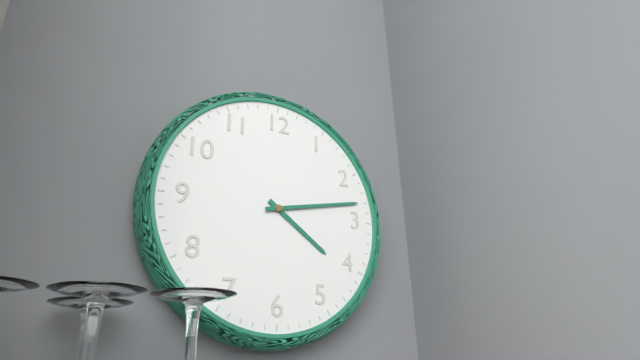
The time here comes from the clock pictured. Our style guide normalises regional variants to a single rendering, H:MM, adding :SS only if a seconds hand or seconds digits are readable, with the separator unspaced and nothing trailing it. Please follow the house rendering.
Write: 4:13
